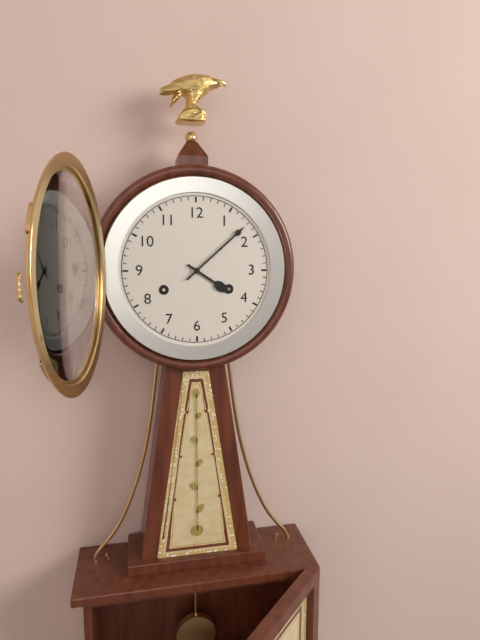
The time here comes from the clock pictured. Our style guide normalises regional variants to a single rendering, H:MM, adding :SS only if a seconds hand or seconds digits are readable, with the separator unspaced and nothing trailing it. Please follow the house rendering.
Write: 4:08
